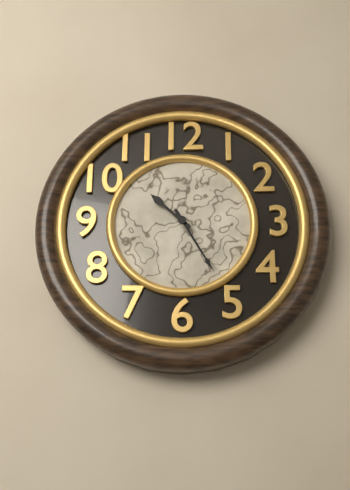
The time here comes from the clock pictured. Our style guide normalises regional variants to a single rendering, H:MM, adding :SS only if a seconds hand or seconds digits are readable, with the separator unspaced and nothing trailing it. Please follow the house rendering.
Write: 10:25
